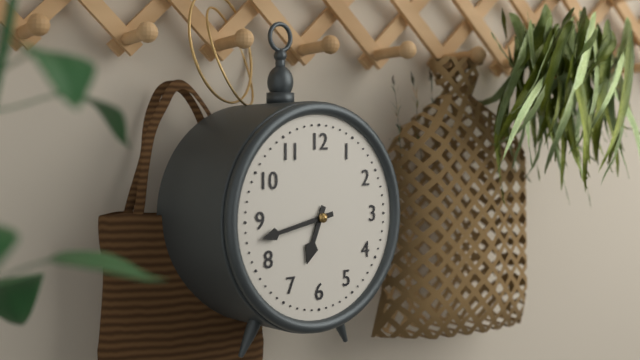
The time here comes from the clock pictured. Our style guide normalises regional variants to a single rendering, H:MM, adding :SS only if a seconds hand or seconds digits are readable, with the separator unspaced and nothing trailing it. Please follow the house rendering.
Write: 6:43
